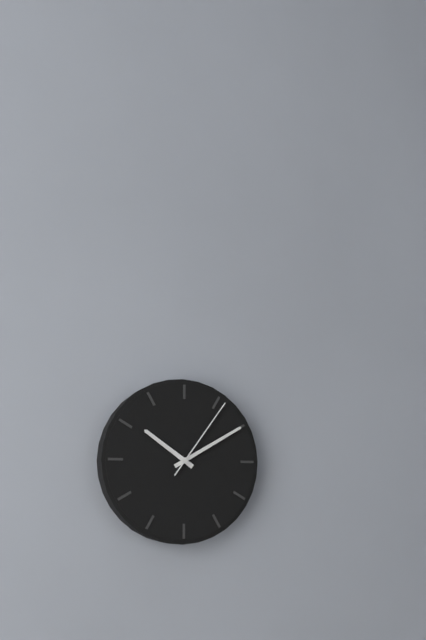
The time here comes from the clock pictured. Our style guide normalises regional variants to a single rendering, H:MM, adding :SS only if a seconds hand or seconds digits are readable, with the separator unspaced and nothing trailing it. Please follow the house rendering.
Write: 10:10:06
